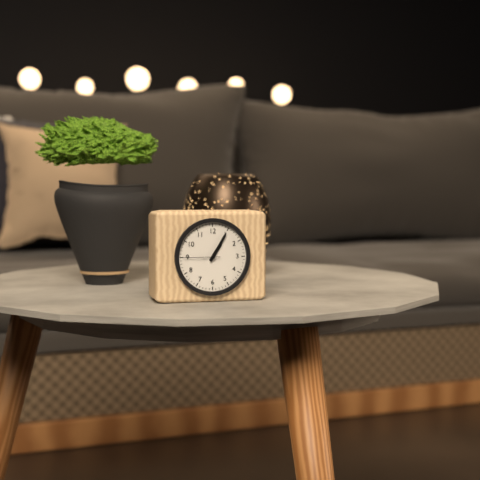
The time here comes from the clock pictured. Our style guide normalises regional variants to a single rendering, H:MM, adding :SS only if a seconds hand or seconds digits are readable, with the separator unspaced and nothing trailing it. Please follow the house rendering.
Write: 1:05
